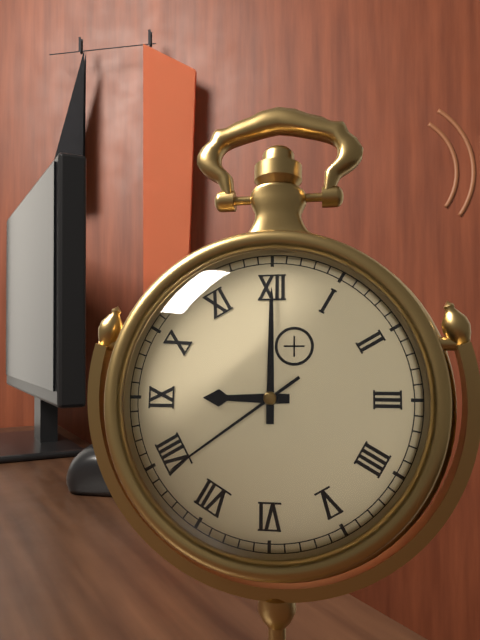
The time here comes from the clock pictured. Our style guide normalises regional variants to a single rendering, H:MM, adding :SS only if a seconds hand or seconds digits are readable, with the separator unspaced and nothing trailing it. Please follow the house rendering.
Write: 9:00:39
